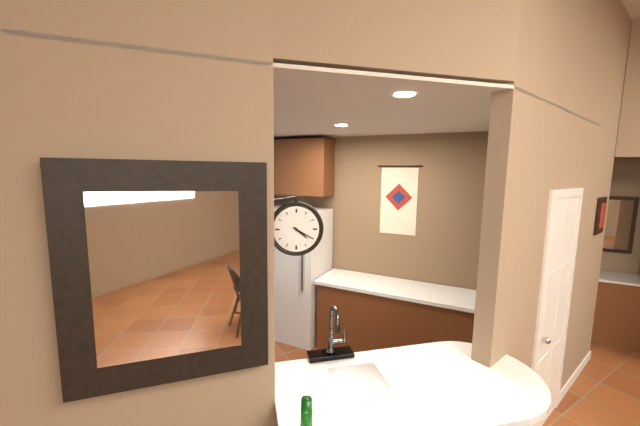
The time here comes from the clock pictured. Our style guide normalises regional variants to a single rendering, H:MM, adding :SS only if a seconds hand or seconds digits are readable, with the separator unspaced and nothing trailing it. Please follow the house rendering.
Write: 4:20
